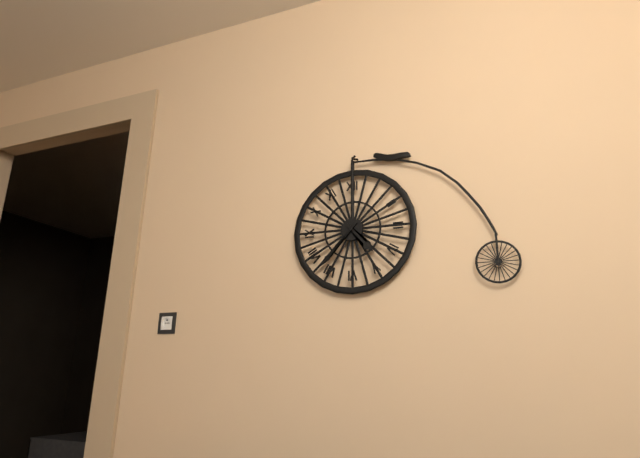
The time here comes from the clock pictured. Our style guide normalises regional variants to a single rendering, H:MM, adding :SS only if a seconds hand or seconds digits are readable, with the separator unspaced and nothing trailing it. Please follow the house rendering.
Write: 4:37
